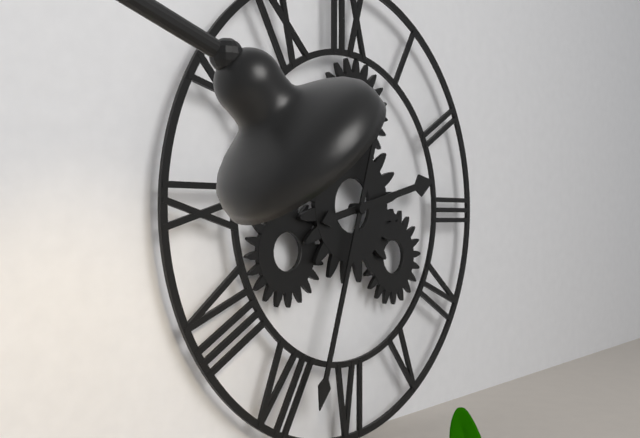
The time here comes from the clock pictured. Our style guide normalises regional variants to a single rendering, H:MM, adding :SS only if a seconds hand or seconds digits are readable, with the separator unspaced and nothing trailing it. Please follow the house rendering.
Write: 2:33
